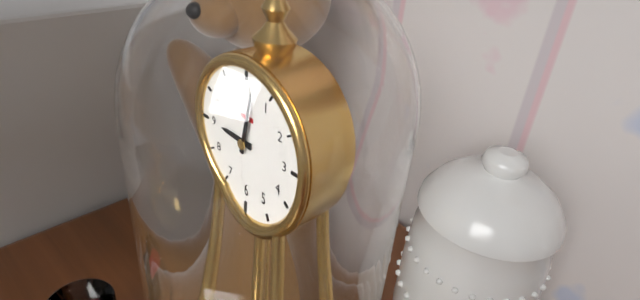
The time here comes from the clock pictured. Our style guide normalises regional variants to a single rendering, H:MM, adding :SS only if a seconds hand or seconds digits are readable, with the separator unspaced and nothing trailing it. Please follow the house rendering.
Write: 9:02
